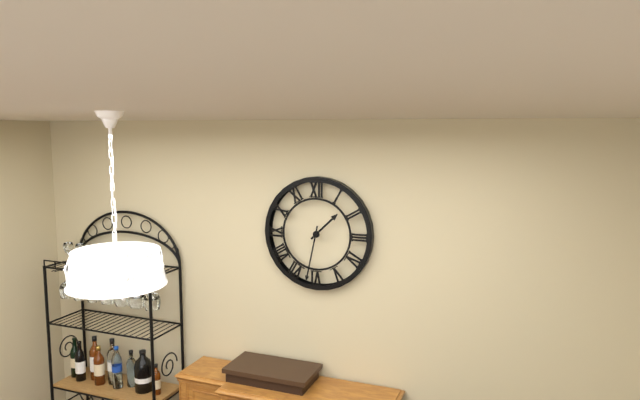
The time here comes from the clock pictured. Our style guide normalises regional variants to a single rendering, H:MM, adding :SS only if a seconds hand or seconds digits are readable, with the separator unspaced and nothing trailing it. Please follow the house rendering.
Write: 1:32
